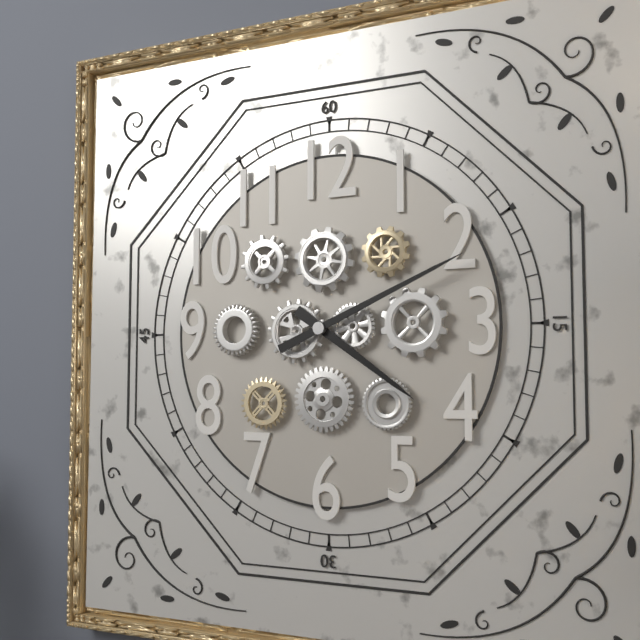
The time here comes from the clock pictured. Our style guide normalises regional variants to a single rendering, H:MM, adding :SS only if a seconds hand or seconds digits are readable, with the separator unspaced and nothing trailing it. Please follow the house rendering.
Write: 4:11
